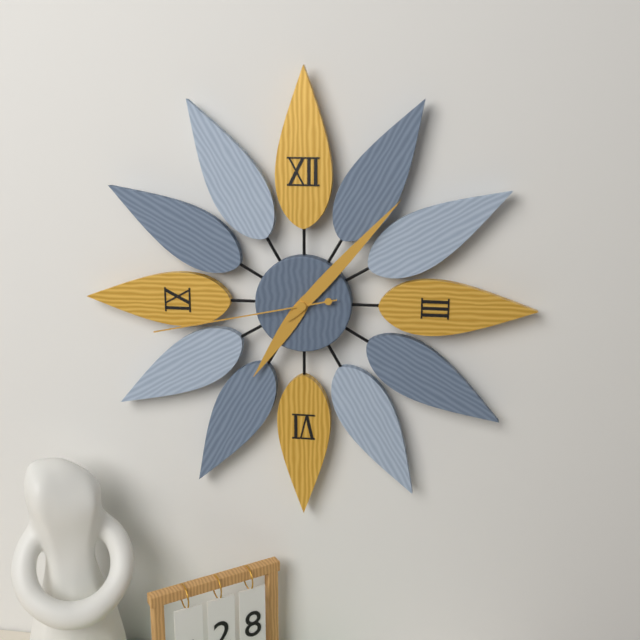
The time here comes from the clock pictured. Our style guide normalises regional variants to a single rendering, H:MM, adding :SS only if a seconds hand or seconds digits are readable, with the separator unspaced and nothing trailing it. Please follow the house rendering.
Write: 7:07:43
